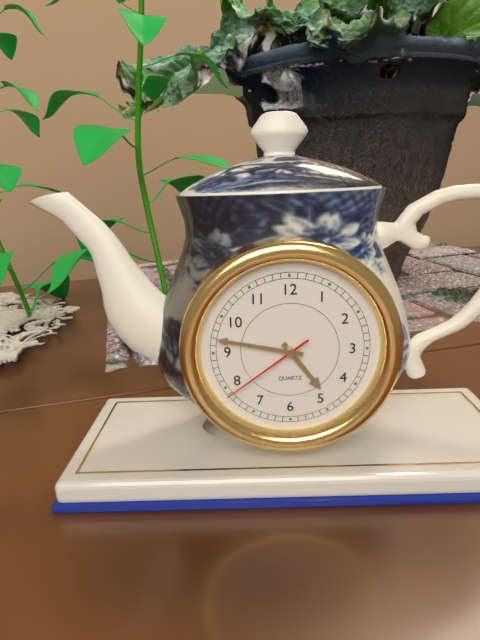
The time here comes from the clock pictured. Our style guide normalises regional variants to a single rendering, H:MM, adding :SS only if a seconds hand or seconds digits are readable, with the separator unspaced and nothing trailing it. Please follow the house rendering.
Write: 4:47:39
